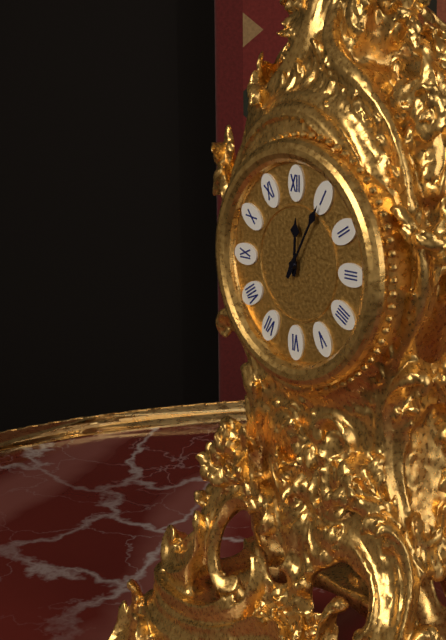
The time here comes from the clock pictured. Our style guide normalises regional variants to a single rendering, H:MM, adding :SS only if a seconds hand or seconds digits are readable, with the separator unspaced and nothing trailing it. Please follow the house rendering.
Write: 12:05
